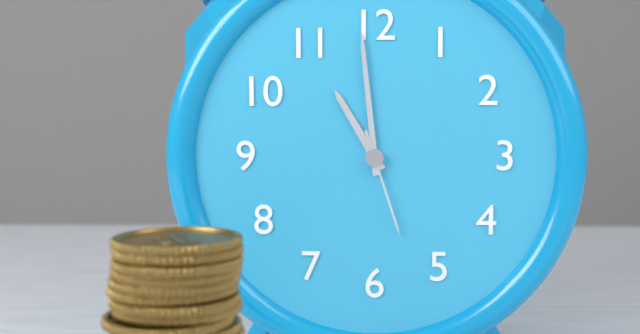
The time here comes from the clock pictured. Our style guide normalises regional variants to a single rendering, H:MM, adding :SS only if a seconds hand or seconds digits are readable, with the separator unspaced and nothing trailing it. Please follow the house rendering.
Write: 10:59:27
